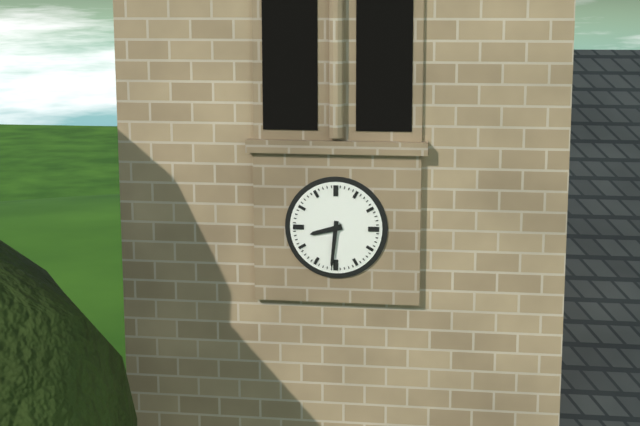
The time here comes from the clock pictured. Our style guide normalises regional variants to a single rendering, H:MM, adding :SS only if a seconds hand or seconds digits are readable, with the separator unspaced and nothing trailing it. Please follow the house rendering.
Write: 8:31
